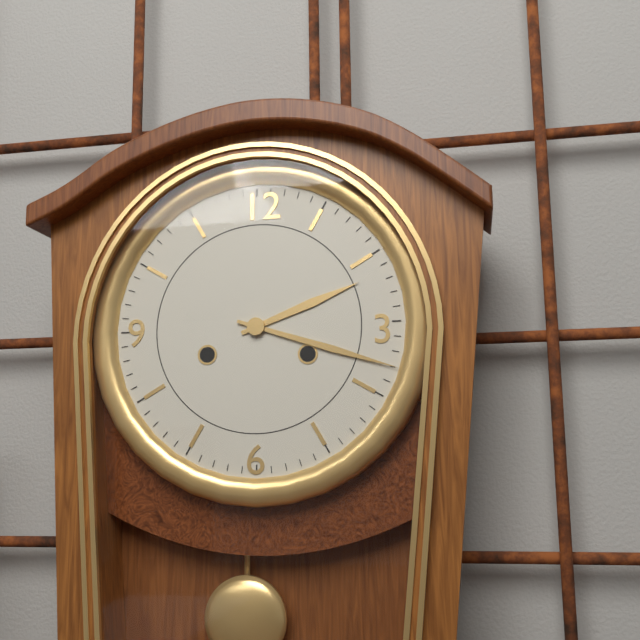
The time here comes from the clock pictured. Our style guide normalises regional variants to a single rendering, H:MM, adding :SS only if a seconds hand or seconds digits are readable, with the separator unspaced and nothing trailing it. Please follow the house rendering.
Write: 2:18
